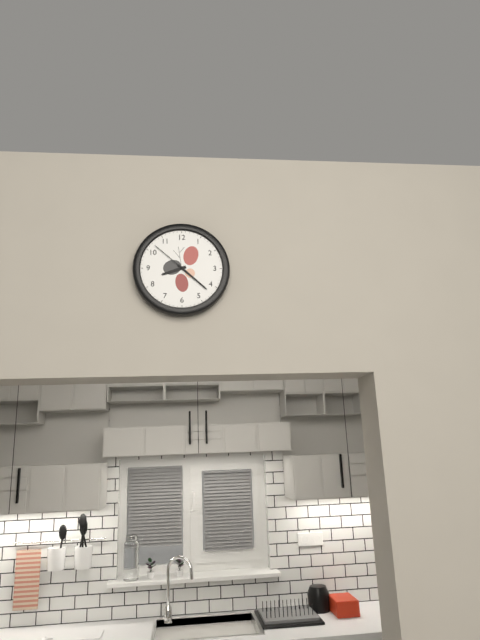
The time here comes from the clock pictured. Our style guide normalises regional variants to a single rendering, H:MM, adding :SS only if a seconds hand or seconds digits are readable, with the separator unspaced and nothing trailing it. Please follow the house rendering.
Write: 8:22
